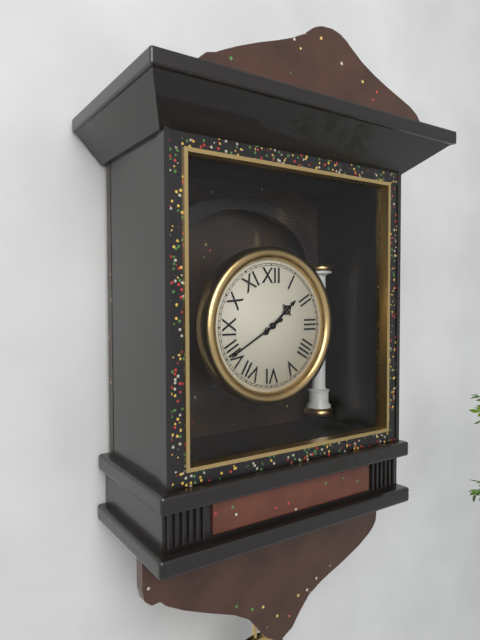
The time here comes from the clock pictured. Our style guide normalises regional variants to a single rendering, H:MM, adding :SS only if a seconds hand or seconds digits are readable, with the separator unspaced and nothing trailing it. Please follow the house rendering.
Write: 1:40
